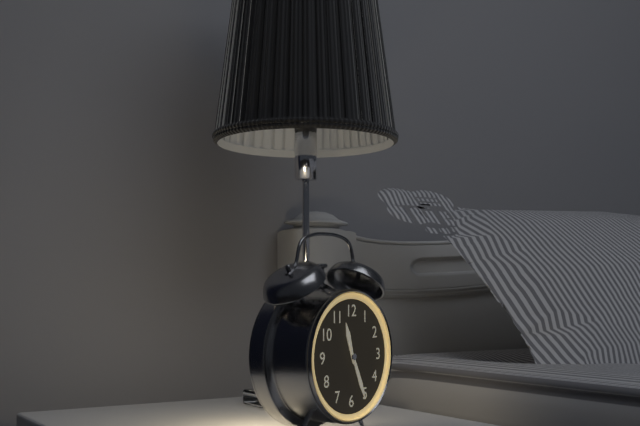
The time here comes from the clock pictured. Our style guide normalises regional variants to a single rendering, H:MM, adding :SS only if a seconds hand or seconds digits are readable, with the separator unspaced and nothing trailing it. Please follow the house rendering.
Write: 11:26
